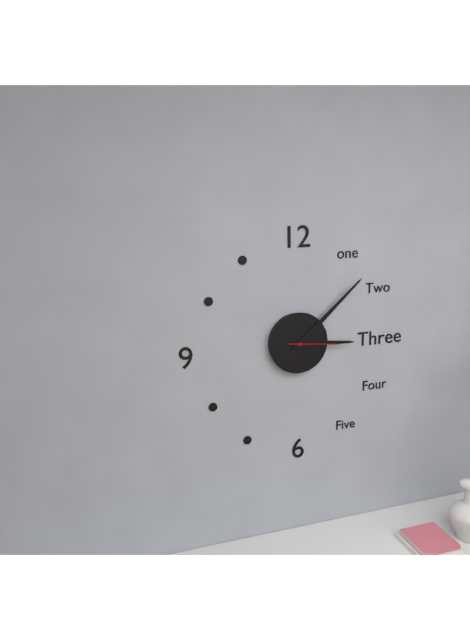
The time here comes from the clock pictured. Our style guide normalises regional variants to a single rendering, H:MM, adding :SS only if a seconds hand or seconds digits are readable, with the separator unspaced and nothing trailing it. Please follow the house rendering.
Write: 3:08
